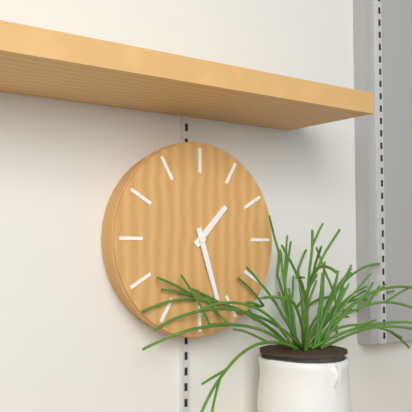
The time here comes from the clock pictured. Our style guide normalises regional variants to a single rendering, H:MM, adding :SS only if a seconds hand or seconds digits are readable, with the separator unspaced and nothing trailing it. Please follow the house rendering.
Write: 1:27
